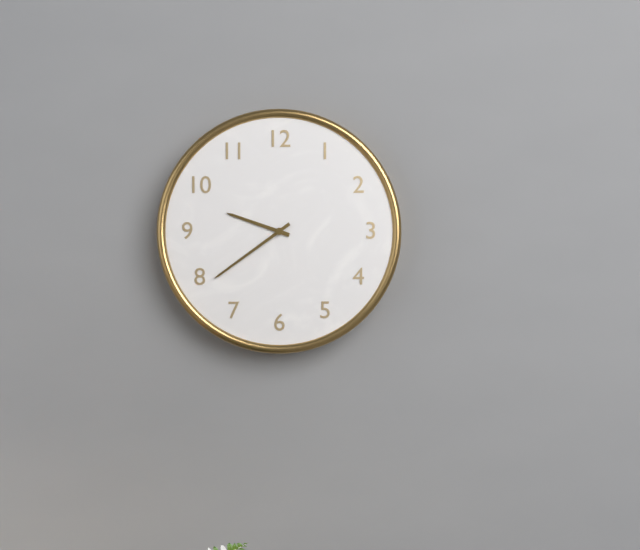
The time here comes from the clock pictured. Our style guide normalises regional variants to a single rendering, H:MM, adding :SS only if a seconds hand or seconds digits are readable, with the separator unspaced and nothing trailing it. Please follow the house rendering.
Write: 9:39
